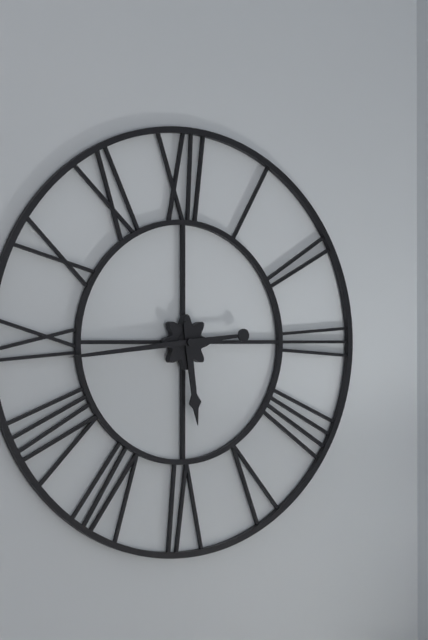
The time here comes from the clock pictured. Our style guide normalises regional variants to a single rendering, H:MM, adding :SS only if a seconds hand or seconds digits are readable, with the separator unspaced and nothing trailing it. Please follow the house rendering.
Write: 5:44
